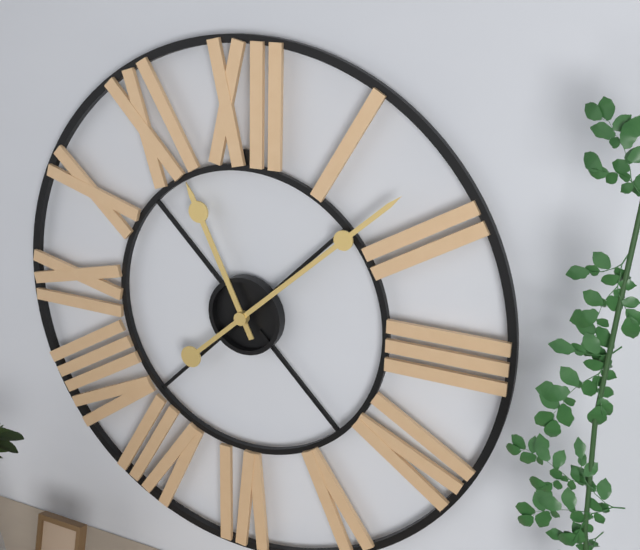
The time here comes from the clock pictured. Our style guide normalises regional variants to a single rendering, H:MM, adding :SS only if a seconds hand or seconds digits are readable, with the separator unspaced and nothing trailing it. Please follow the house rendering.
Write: 11:08
